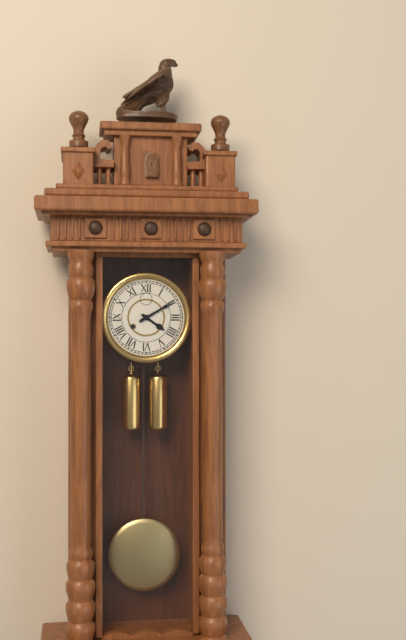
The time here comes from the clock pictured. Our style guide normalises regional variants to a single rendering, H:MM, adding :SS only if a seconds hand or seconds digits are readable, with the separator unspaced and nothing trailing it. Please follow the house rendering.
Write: 4:10
